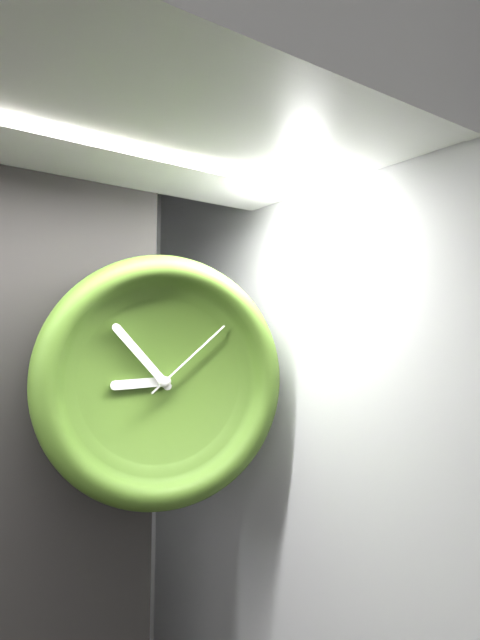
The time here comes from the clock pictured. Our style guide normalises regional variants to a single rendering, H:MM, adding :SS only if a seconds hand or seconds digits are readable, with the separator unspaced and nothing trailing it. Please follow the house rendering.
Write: 8:53:08
